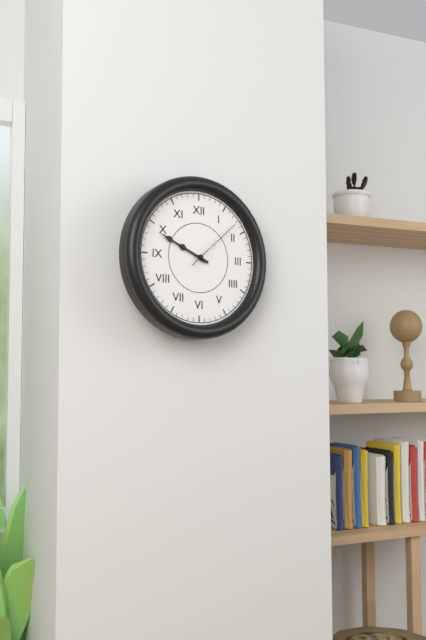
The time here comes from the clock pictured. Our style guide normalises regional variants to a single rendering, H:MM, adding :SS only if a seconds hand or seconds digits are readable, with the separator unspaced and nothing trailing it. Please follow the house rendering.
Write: 9:49:08
